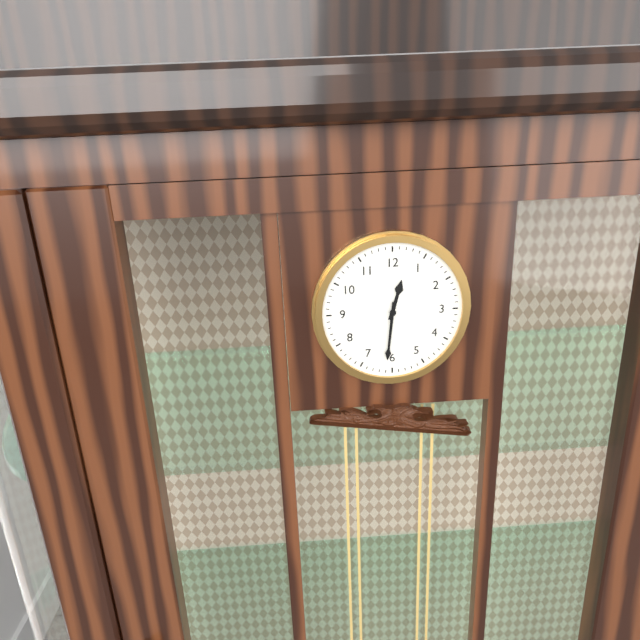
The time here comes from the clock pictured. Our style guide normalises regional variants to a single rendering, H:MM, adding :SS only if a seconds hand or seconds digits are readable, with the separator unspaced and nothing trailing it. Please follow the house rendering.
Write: 12:31
